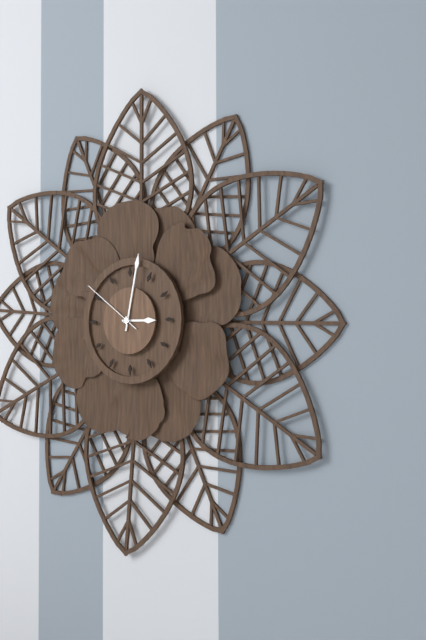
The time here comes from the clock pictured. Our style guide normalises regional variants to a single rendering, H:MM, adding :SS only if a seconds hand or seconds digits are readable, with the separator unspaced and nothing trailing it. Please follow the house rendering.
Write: 3:02:51
